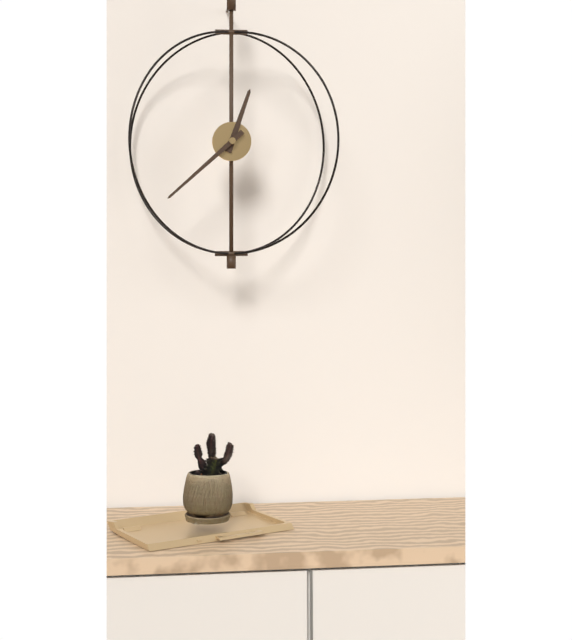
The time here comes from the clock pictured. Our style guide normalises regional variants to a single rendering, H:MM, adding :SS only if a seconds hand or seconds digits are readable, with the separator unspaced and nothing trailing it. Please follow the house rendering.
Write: 12:38
